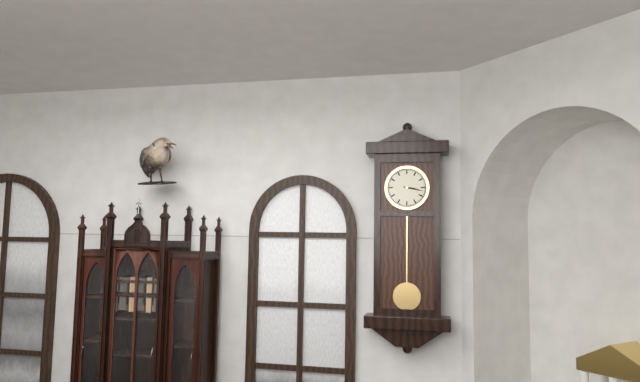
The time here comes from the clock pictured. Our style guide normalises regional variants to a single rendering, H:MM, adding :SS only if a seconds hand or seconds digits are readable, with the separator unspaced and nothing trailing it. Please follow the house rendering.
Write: 3:17
